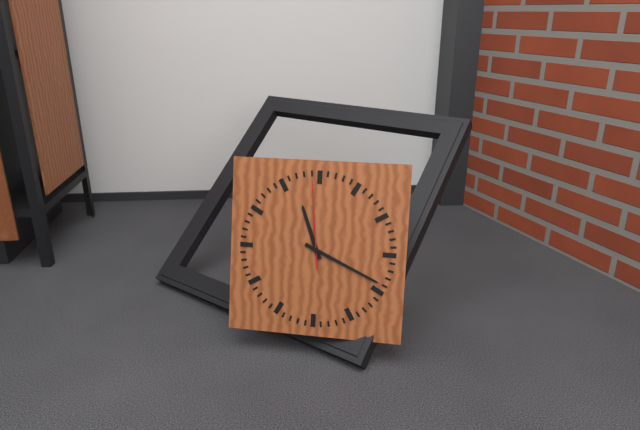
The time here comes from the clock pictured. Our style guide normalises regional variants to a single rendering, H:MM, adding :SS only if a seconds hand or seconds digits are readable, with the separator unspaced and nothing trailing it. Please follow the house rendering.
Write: 11:19:59
